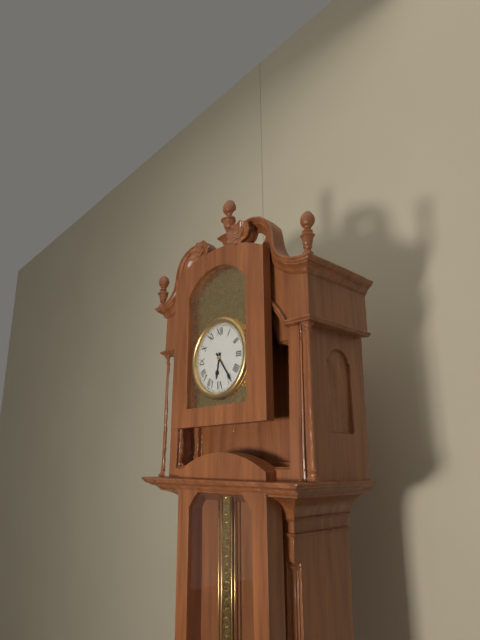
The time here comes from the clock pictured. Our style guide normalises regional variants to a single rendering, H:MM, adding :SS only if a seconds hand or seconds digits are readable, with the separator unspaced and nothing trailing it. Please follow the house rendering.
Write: 6:24
